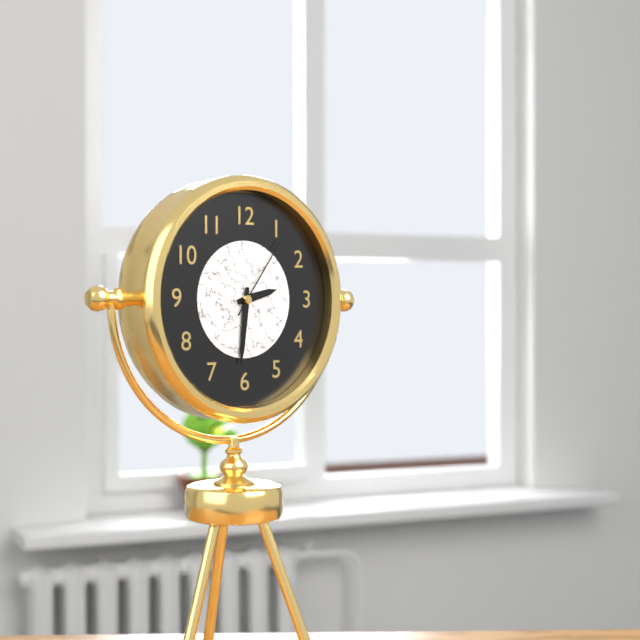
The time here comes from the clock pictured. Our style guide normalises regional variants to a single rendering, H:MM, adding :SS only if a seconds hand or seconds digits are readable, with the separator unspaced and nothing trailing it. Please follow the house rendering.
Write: 2:31:06
